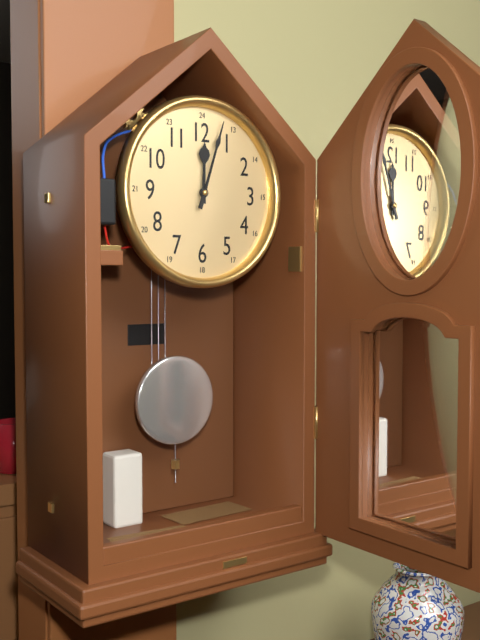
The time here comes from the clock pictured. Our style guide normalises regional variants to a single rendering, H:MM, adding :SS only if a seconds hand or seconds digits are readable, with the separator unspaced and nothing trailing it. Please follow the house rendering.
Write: 12:03
